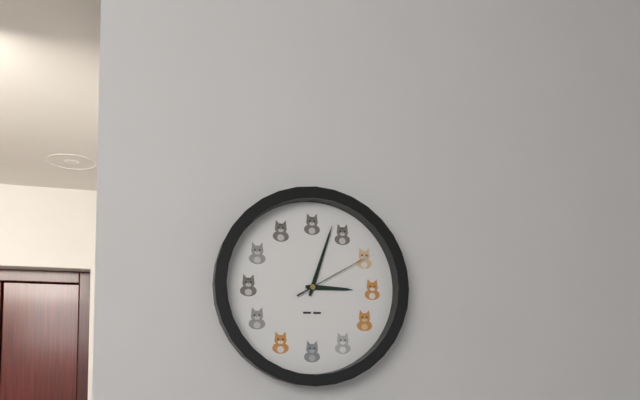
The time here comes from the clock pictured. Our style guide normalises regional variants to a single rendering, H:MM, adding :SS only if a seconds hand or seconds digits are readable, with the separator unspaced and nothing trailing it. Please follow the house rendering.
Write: 3:03:10
